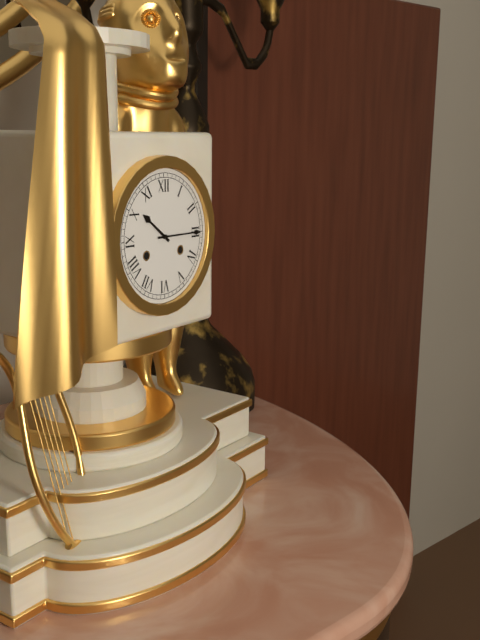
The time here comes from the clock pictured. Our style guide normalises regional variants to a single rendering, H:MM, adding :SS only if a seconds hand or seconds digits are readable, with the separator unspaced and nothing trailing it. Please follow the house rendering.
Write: 10:15
